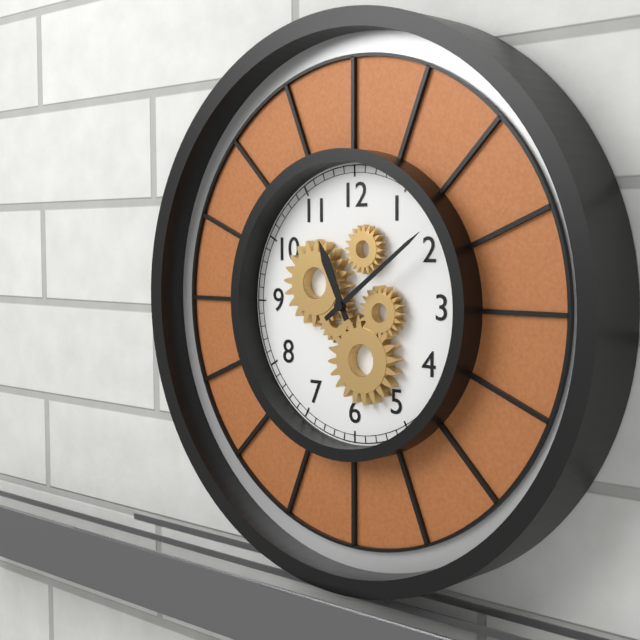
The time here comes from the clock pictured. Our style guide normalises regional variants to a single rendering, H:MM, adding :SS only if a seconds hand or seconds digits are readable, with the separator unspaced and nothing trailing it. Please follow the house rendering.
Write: 11:09
